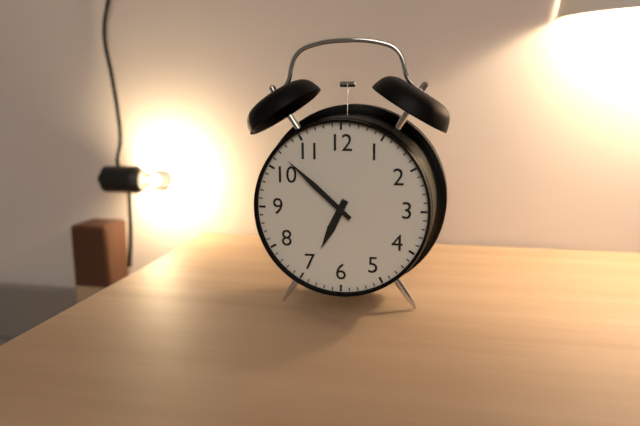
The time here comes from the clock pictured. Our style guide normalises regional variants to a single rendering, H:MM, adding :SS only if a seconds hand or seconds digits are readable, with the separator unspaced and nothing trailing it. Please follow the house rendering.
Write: 6:52
